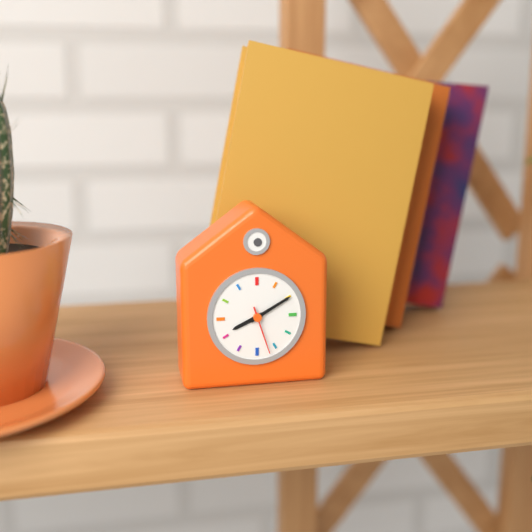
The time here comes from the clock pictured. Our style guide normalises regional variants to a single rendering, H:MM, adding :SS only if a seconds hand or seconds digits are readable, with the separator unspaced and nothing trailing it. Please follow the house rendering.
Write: 8:10:27
